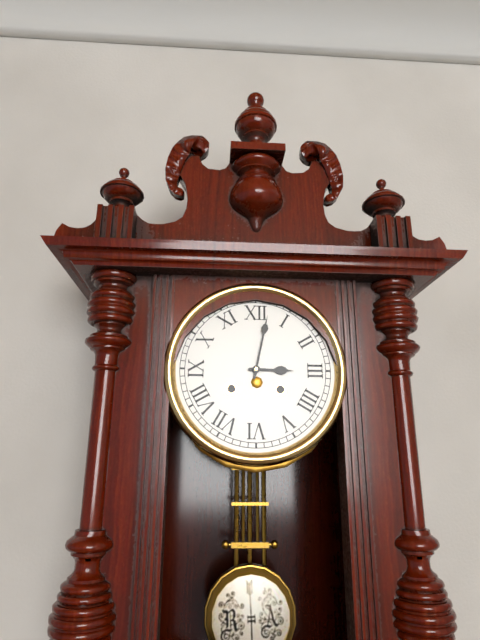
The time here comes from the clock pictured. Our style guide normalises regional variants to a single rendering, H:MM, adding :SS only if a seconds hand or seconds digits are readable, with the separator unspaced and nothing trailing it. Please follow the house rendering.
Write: 3:02
